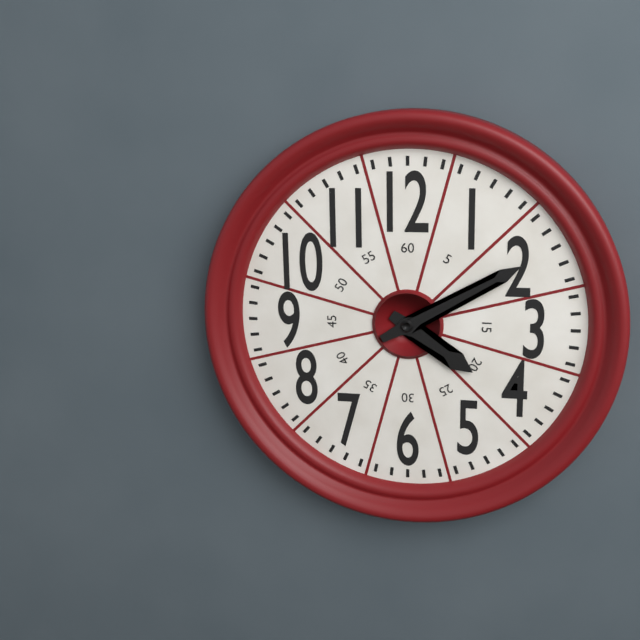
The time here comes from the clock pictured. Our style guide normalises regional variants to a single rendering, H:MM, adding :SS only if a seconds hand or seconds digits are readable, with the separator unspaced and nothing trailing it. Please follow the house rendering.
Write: 4:10
